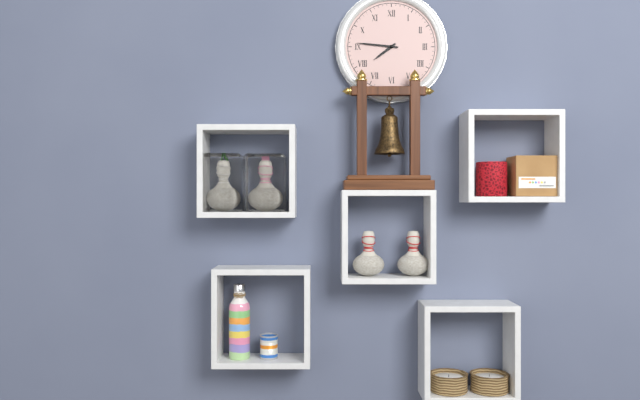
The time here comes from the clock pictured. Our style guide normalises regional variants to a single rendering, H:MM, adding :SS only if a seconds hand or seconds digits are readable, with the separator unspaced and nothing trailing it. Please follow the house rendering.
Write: 7:46
